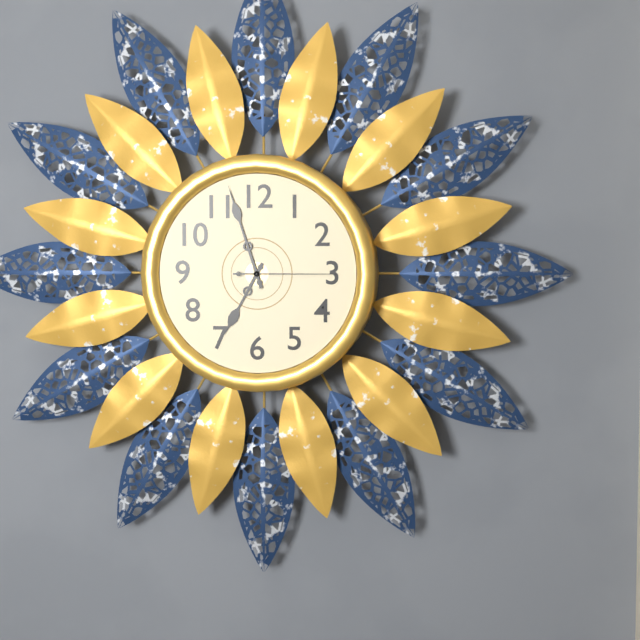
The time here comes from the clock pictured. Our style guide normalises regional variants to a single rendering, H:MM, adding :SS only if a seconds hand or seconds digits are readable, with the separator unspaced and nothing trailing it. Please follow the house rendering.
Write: 6:57:15
